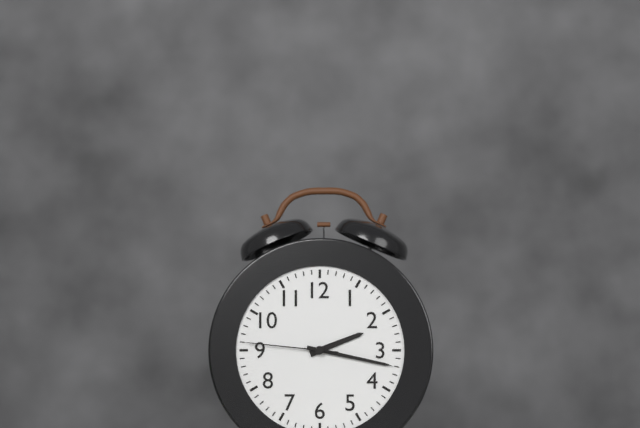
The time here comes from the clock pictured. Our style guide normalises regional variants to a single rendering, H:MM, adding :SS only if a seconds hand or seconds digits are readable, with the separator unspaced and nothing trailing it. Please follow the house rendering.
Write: 2:17:46
